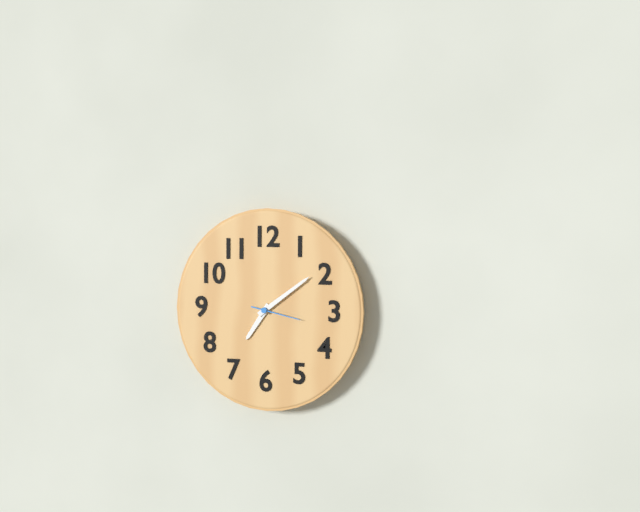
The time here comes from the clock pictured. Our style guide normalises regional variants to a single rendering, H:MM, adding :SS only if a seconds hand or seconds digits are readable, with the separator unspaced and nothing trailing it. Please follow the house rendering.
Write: 7:09
